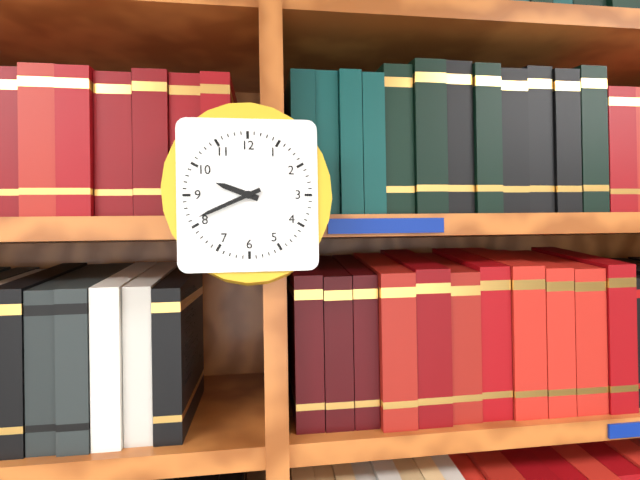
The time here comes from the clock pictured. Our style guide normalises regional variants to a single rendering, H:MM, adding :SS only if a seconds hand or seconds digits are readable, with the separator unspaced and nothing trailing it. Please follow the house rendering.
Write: 9:41
